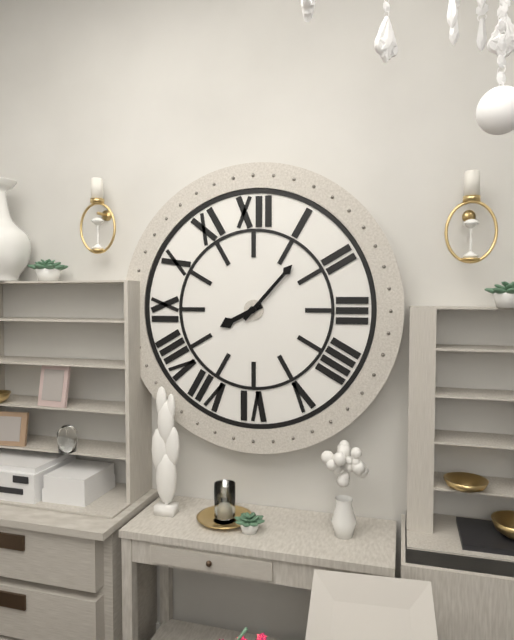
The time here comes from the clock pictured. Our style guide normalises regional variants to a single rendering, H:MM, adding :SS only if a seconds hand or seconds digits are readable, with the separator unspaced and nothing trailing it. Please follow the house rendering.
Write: 8:07
